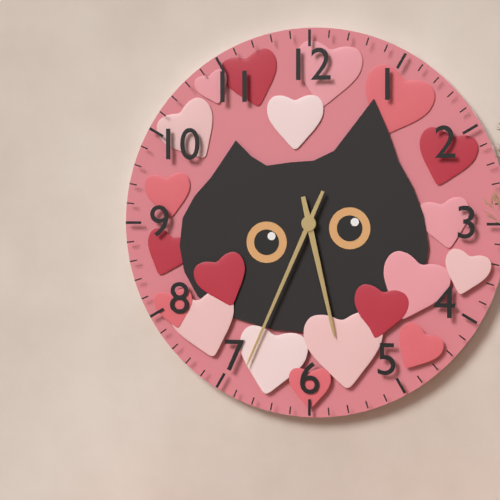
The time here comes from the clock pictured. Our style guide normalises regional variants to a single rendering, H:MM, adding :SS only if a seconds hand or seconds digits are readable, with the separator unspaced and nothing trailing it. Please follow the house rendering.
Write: 5:34
